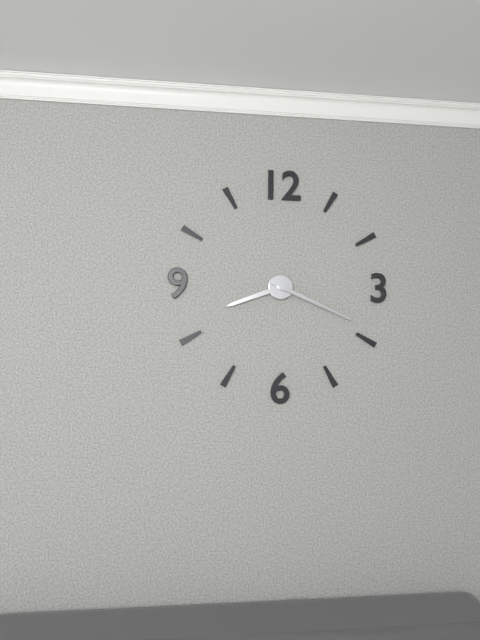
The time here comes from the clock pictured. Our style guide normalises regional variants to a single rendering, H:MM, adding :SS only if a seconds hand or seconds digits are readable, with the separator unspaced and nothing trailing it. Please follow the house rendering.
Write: 8:19
